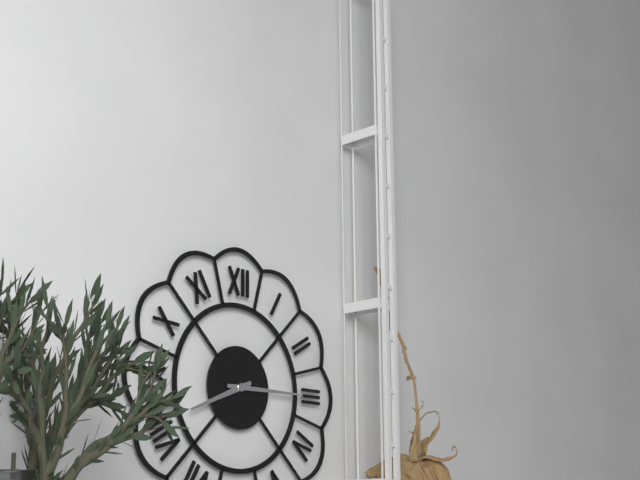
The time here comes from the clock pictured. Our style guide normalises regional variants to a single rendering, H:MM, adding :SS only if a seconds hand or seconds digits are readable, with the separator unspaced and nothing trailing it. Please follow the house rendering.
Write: 8:15
